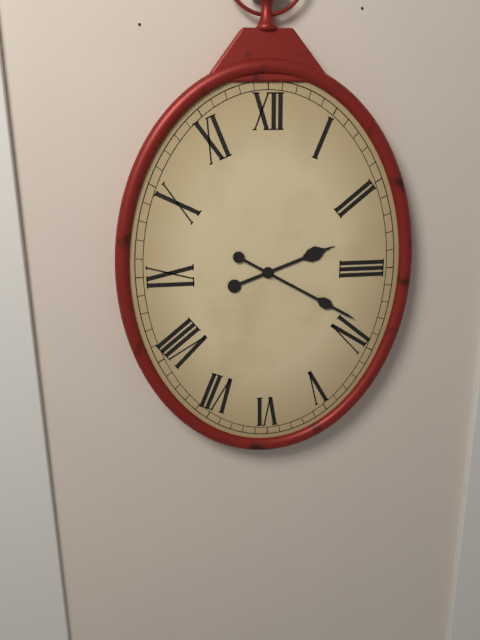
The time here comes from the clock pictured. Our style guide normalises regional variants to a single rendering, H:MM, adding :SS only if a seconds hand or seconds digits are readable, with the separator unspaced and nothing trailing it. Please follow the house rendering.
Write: 2:20
